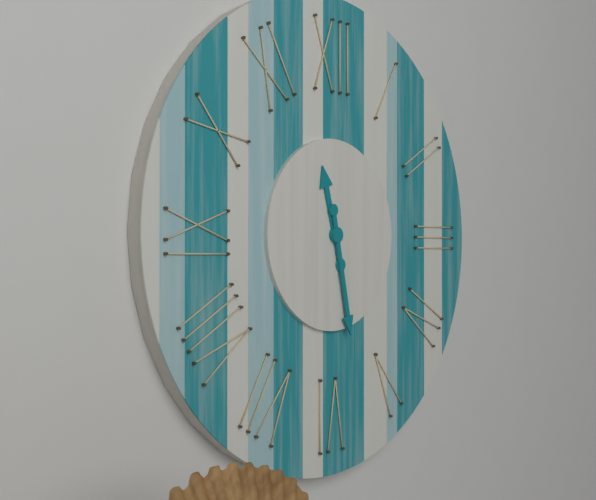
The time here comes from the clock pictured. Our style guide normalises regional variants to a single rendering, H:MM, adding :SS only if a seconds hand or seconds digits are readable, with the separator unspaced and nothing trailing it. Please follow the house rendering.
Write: 11:28
